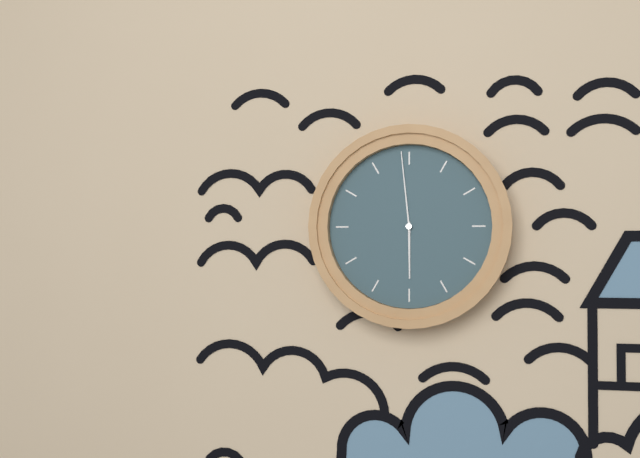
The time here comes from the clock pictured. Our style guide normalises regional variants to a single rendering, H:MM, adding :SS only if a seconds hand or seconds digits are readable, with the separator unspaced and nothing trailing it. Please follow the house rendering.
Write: 5:59
